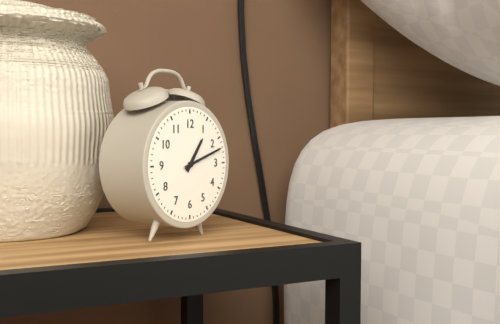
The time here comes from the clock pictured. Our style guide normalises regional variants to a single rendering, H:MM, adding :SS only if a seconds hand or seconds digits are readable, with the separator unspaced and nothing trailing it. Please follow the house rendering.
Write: 1:12
